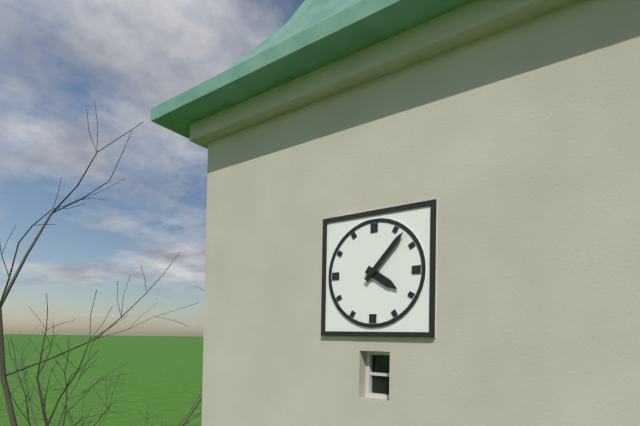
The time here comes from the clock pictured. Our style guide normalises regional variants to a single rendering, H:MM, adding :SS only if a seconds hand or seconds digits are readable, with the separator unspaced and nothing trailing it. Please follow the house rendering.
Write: 4:07
